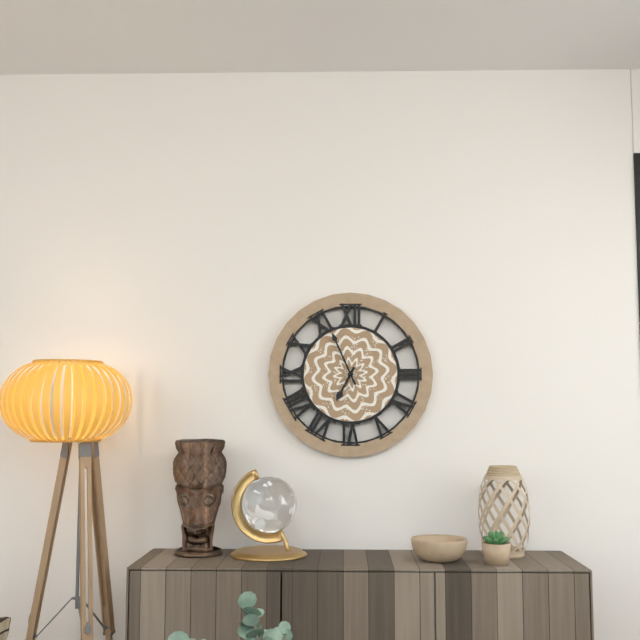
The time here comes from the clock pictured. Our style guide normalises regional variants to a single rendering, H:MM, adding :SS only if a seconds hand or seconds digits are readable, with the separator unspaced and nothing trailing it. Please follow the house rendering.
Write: 6:56
